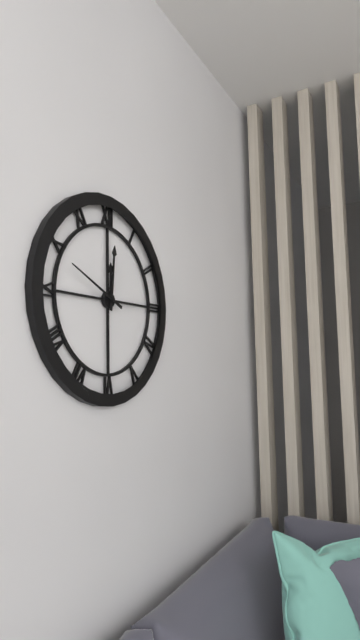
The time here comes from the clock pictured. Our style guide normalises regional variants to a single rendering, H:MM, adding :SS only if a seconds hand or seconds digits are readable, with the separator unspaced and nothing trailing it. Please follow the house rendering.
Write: 12:01:49
